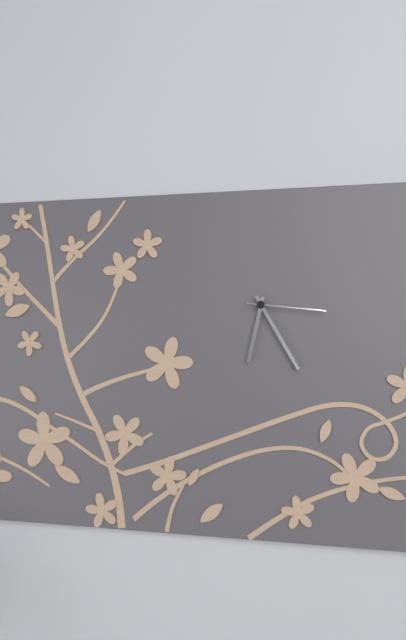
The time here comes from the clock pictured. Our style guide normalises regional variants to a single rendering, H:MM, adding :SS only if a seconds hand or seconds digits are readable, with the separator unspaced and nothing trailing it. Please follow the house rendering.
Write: 6:25:16
